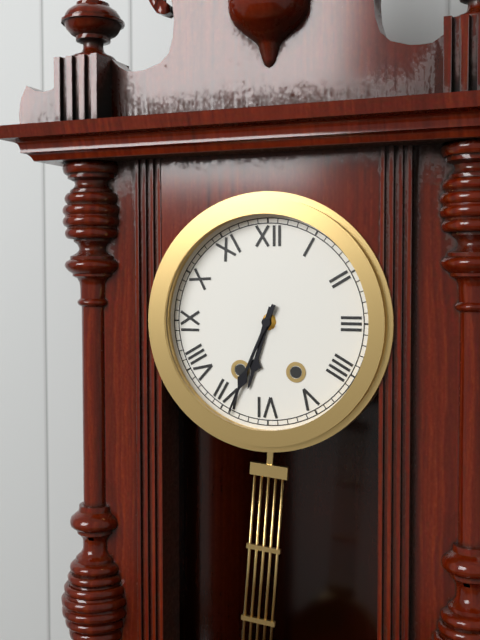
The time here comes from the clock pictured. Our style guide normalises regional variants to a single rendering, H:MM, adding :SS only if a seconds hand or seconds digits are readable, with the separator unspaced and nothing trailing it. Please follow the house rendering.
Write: 6:34
